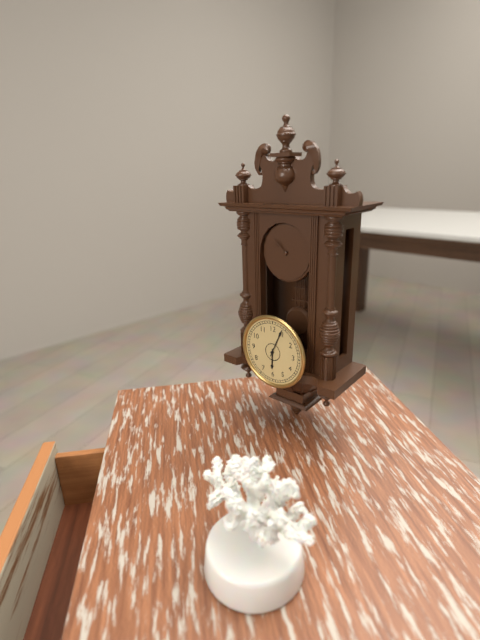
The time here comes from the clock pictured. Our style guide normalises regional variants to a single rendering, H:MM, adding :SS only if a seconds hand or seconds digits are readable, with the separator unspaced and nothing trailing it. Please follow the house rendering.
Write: 6:04
